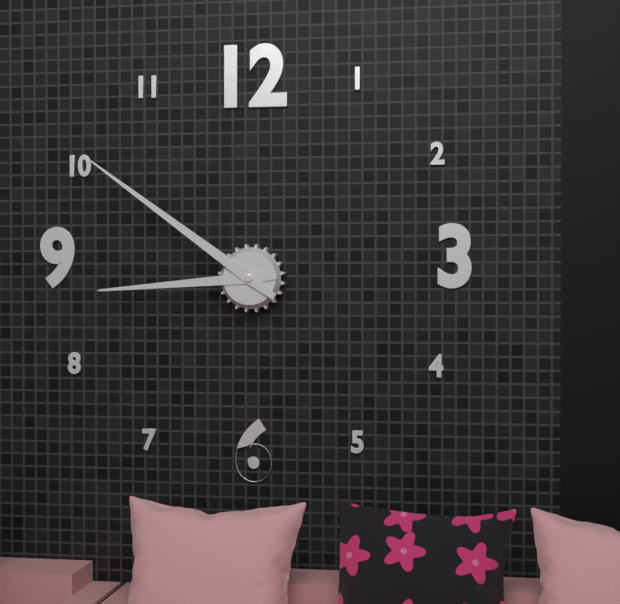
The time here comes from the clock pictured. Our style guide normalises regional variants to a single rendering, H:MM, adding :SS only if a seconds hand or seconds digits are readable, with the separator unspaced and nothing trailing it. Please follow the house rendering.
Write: 8:51
